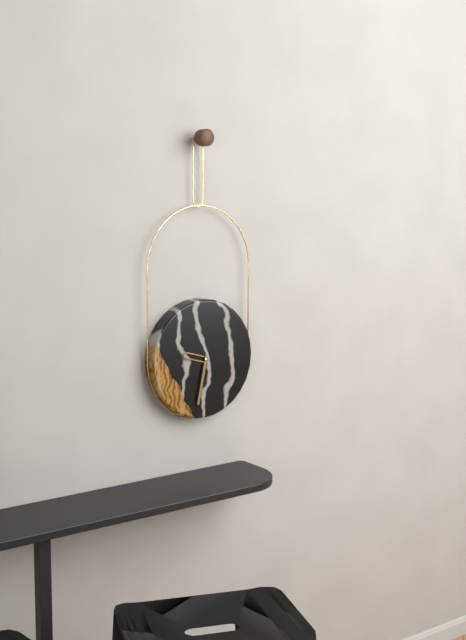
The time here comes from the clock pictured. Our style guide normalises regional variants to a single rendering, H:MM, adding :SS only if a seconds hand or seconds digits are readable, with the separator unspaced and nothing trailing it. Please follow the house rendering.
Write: 9:32
